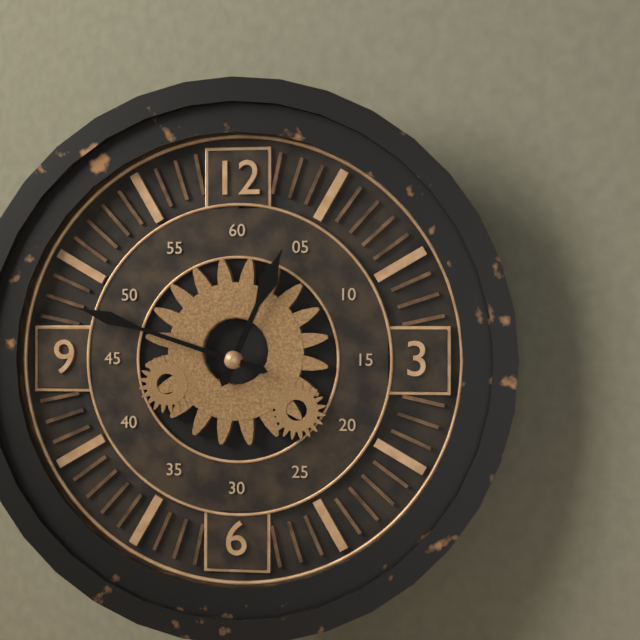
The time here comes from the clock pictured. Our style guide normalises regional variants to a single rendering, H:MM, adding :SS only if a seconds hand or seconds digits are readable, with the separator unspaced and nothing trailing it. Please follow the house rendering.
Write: 12:48
